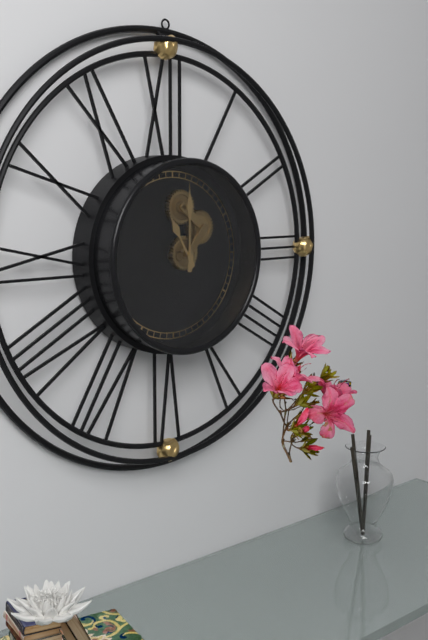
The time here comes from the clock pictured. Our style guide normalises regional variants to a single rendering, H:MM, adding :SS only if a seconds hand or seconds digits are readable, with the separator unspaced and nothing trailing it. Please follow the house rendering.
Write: 11:00
